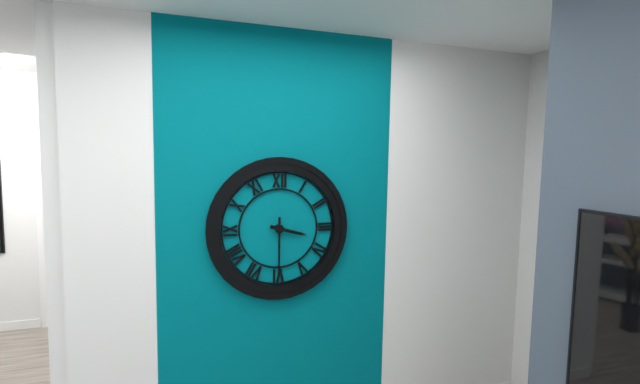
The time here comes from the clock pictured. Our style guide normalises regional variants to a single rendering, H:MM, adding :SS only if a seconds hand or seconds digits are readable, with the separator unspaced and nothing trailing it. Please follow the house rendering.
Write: 3:30
